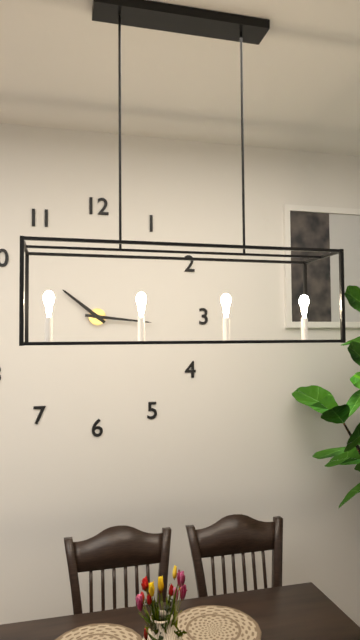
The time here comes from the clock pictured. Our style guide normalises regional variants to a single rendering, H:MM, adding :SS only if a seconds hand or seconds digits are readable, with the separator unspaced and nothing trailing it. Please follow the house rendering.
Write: 10:16
